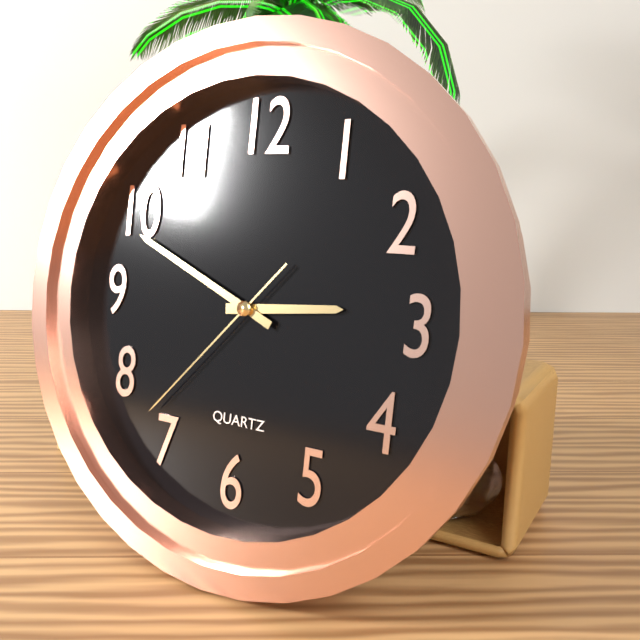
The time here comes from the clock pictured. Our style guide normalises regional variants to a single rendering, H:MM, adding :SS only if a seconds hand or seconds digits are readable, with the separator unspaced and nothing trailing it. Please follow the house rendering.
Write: 2:49:37
